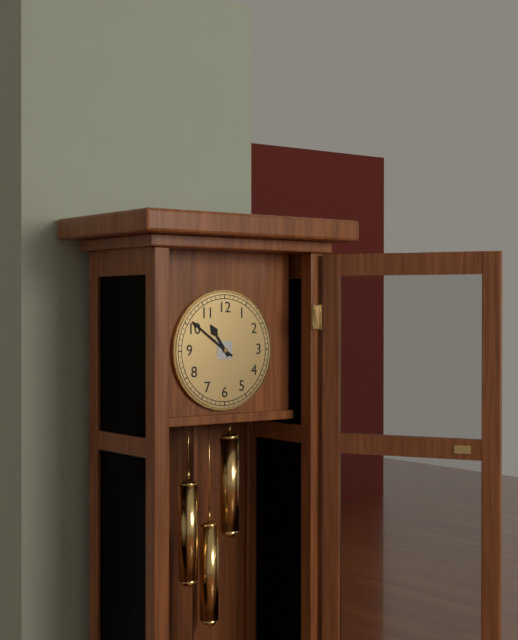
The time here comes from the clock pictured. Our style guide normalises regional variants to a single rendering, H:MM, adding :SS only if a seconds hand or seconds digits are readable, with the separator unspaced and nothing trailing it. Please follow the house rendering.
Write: 10:51
